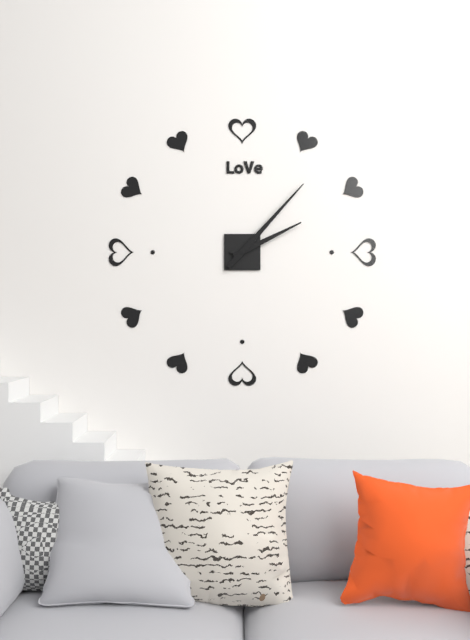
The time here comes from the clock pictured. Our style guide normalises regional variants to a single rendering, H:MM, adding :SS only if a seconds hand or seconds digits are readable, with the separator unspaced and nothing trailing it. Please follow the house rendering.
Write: 2:07
